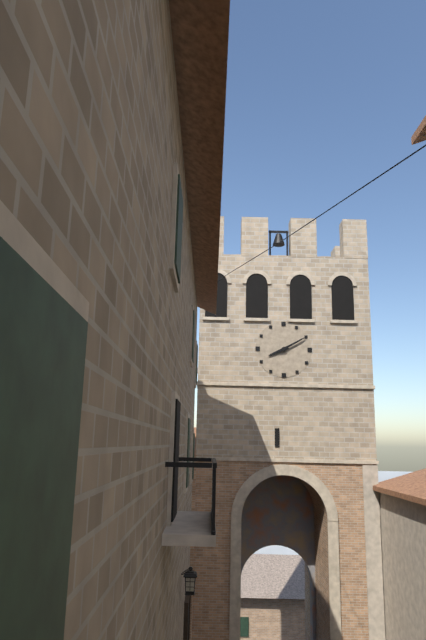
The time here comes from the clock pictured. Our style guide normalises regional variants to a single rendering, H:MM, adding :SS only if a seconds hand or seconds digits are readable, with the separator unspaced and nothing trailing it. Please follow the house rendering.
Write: 8:10
